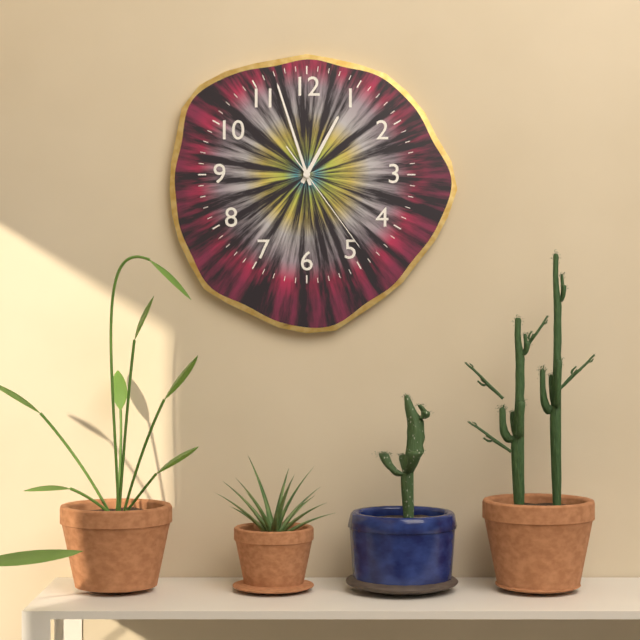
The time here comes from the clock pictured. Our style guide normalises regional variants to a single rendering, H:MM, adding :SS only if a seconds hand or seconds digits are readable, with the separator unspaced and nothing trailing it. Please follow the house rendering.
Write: 12:57:24
